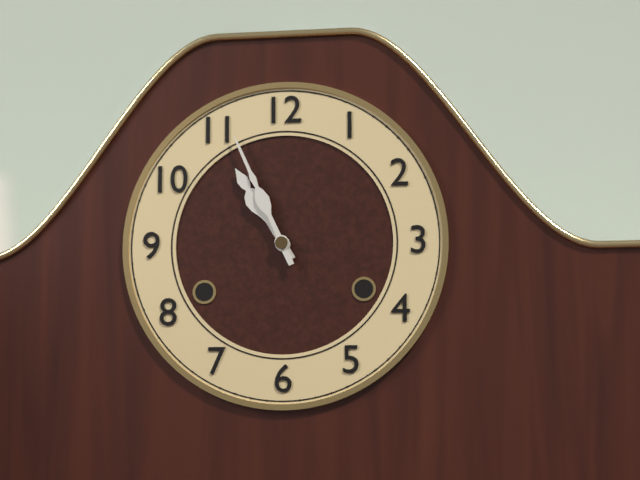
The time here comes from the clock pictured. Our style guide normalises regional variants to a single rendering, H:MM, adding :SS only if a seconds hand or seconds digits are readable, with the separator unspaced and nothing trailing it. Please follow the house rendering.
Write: 10:56
